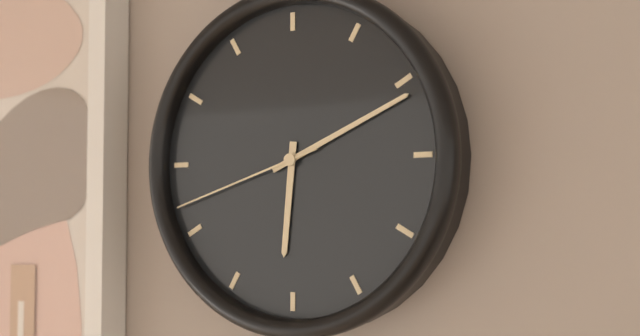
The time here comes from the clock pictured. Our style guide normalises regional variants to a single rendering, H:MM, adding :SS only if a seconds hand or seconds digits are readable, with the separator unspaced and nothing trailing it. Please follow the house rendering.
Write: 6:11:42
